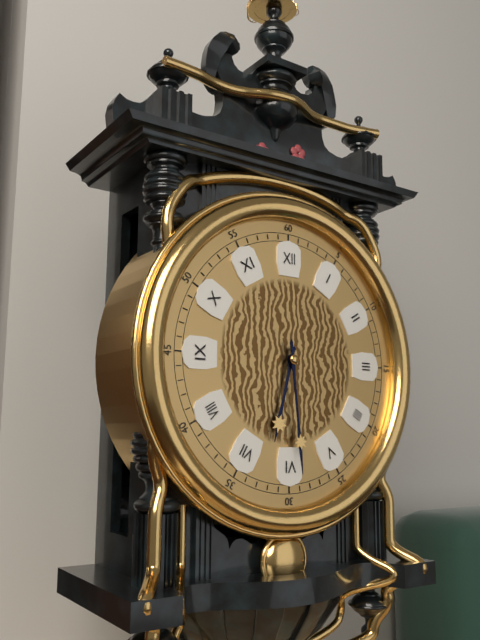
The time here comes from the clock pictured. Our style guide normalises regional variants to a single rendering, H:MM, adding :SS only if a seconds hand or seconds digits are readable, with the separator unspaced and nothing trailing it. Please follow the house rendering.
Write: 6:29
